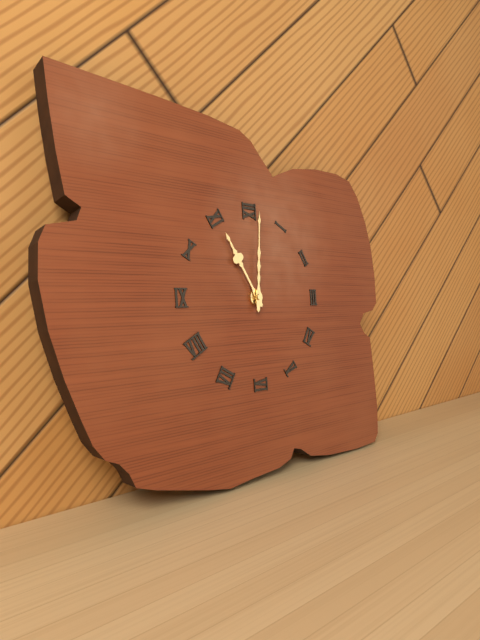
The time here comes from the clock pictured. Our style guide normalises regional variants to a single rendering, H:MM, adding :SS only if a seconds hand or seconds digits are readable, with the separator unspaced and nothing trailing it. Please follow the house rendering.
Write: 11:01
